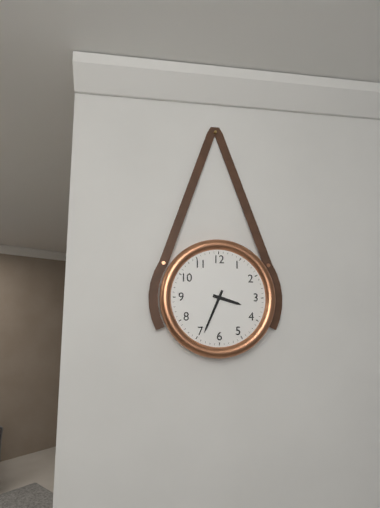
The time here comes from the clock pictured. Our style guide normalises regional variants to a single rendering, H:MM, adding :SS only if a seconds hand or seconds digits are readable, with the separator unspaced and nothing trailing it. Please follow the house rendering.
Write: 3:34
